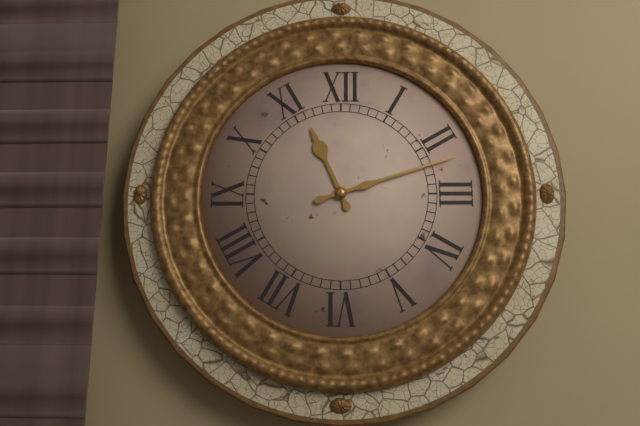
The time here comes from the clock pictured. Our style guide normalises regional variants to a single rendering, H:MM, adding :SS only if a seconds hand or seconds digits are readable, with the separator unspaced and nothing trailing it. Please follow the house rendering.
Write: 11:12
